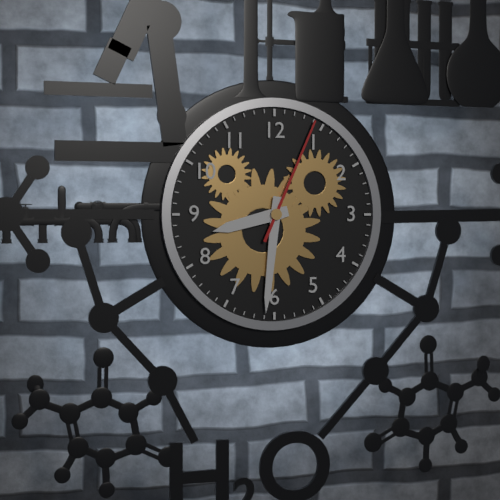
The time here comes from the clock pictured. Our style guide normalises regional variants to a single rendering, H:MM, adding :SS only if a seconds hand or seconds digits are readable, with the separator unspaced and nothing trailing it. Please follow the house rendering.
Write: 8:31:04
